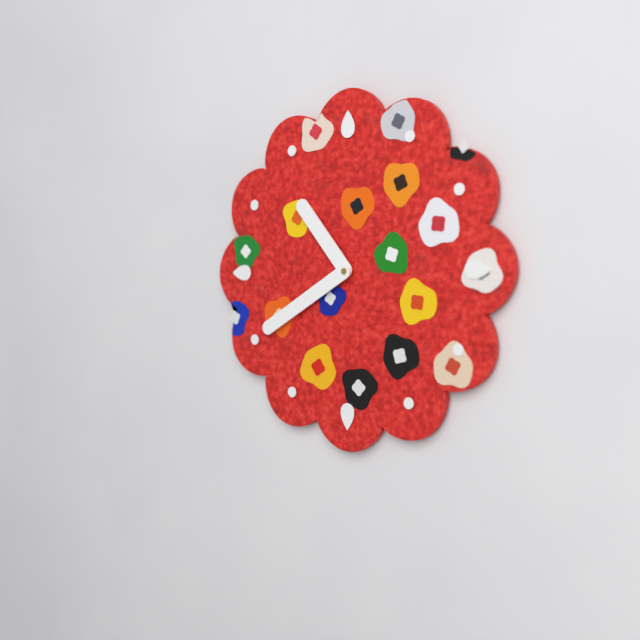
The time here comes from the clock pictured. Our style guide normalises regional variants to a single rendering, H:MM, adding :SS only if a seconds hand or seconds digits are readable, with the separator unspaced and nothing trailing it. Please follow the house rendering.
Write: 10:40
